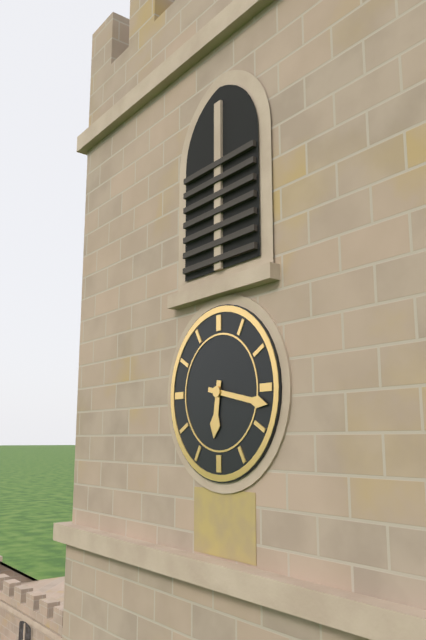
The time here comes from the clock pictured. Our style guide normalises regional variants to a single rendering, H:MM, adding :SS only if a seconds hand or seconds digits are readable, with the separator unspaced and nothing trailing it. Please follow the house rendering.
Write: 6:17
